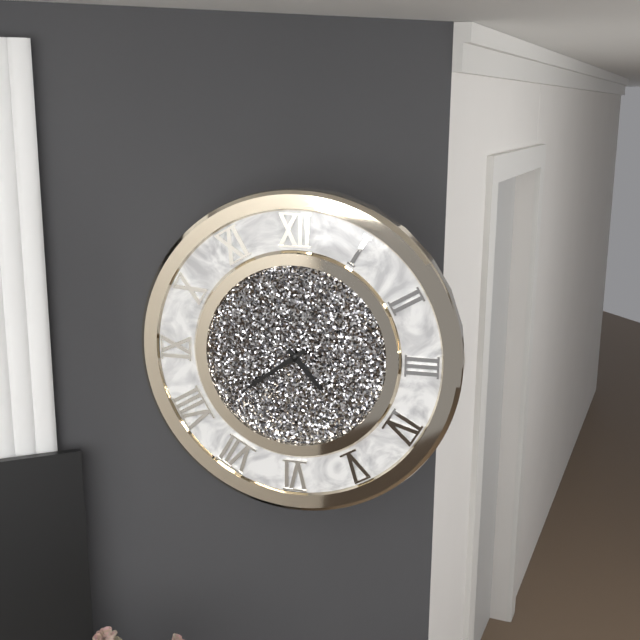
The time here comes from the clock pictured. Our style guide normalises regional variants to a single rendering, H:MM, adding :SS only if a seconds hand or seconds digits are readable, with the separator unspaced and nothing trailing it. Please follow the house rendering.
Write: 4:39
